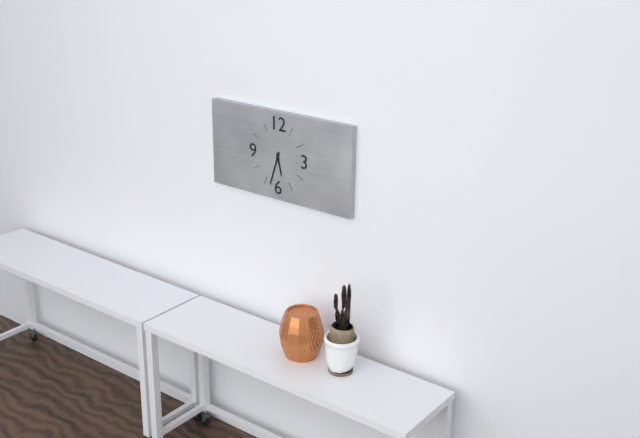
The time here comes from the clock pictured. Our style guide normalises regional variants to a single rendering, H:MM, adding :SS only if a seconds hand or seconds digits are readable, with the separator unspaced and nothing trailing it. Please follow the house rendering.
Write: 5:33
